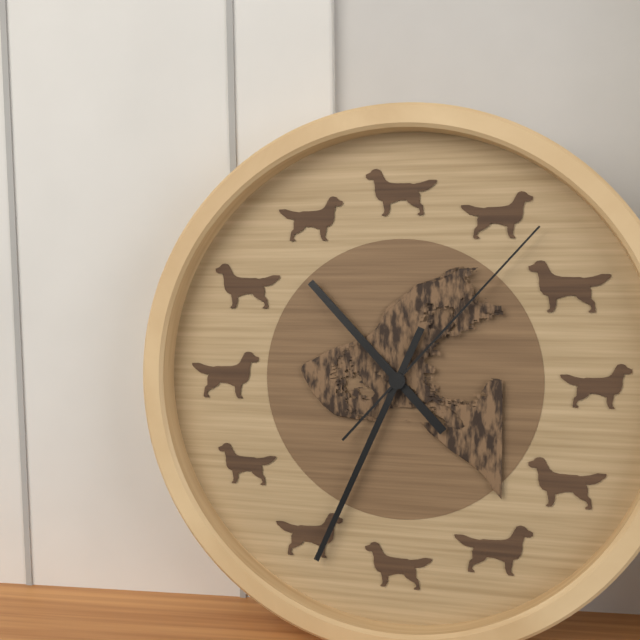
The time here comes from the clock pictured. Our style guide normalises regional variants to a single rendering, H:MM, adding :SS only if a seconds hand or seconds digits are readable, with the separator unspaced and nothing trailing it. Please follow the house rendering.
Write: 10:34:07
